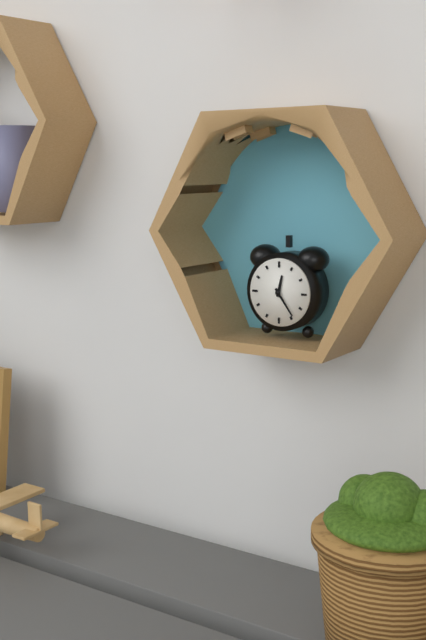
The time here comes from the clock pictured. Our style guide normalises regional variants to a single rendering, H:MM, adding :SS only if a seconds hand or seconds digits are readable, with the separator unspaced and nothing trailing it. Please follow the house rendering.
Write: 12:24
